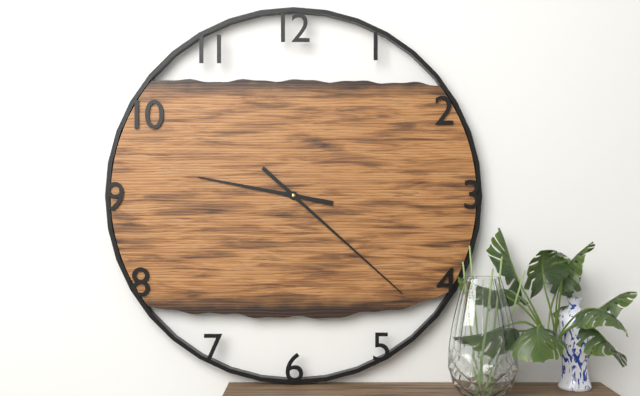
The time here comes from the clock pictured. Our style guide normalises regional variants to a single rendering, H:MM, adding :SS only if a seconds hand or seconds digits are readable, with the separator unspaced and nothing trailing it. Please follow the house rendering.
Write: 9:22
